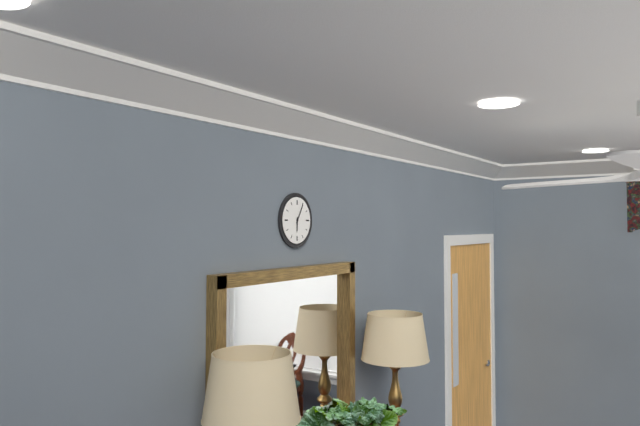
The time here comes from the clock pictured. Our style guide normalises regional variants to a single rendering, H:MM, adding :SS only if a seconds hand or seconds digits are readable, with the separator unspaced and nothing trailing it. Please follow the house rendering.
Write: 6:05
